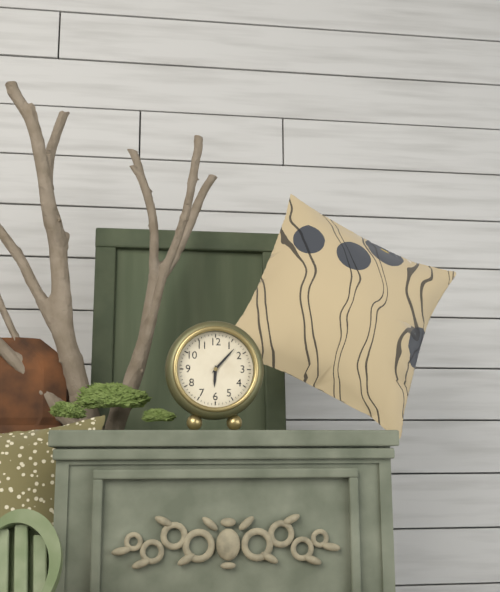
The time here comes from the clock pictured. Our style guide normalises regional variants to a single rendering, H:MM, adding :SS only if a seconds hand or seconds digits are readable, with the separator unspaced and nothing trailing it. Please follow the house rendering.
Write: 6:07
